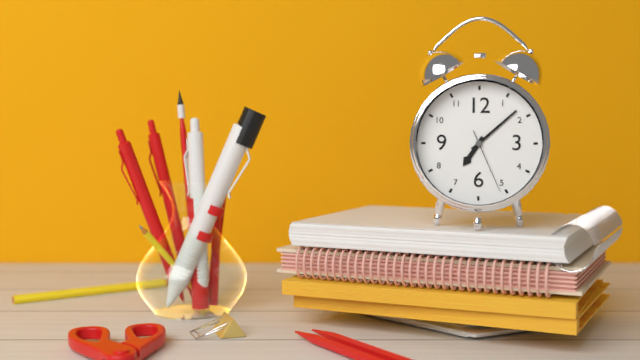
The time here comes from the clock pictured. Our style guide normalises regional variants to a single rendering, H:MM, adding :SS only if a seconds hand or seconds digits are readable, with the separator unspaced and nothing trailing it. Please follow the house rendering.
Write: 7:08:26
